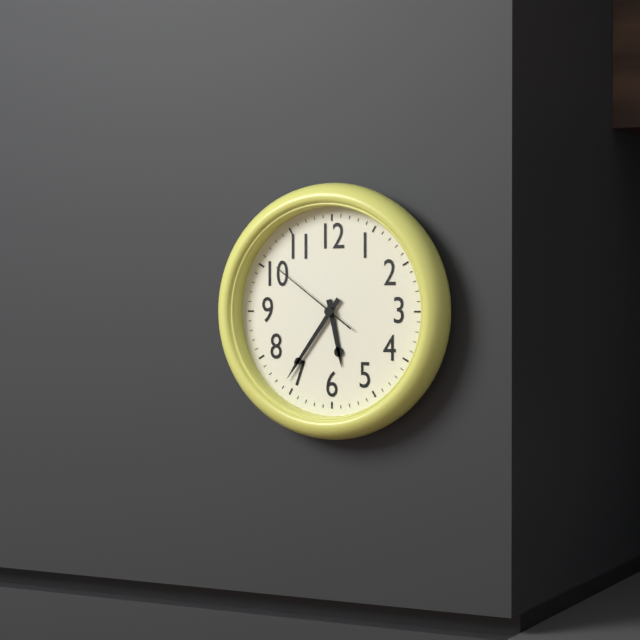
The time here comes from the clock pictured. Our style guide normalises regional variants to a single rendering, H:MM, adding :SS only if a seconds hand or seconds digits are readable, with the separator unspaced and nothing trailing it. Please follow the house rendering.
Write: 5:36:51
